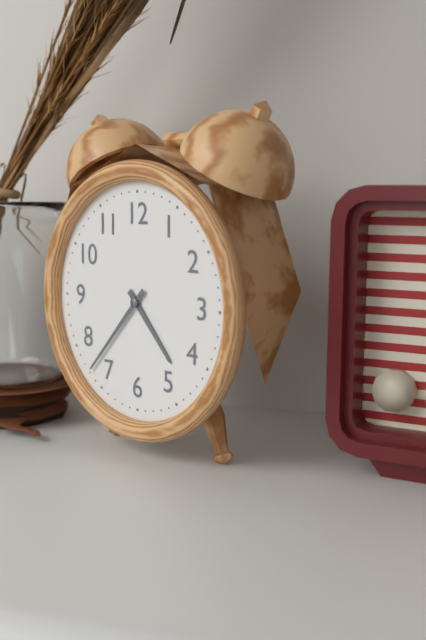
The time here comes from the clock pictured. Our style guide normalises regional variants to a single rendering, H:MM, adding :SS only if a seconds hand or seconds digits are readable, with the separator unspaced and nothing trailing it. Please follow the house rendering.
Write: 4:37
